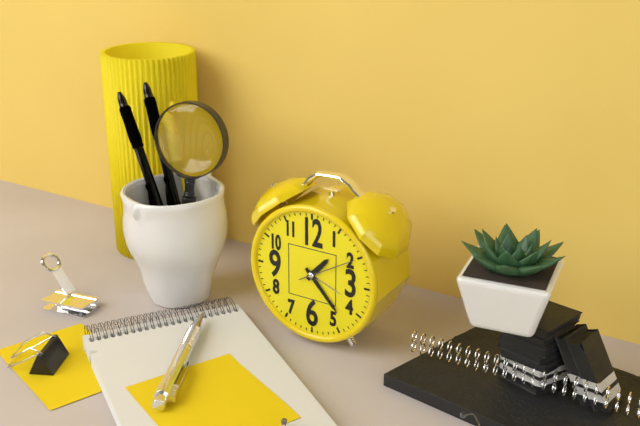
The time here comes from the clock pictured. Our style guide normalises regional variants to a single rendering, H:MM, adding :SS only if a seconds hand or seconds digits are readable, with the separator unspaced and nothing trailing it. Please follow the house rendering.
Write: 1:23:10
